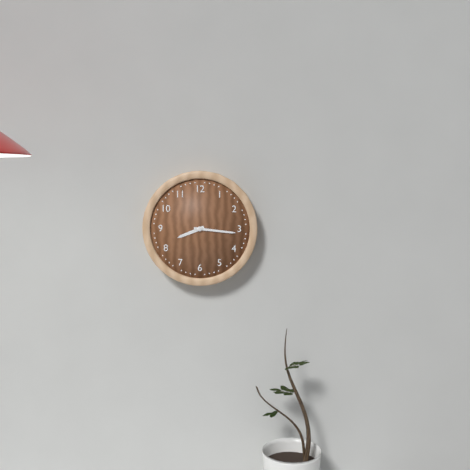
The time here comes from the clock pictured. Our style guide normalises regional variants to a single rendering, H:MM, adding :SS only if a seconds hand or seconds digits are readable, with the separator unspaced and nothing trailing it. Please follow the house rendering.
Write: 8:16
